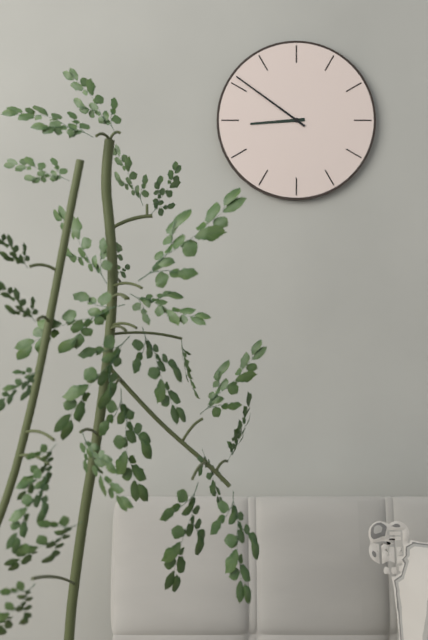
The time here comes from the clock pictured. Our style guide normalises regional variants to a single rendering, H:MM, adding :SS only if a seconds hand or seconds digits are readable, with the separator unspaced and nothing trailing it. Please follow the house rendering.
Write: 8:51
